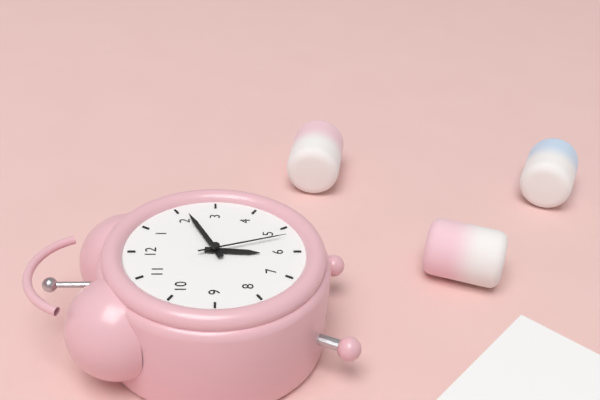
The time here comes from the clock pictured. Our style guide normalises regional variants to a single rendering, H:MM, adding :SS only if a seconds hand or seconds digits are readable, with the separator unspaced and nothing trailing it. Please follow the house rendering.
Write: 6:11:27
